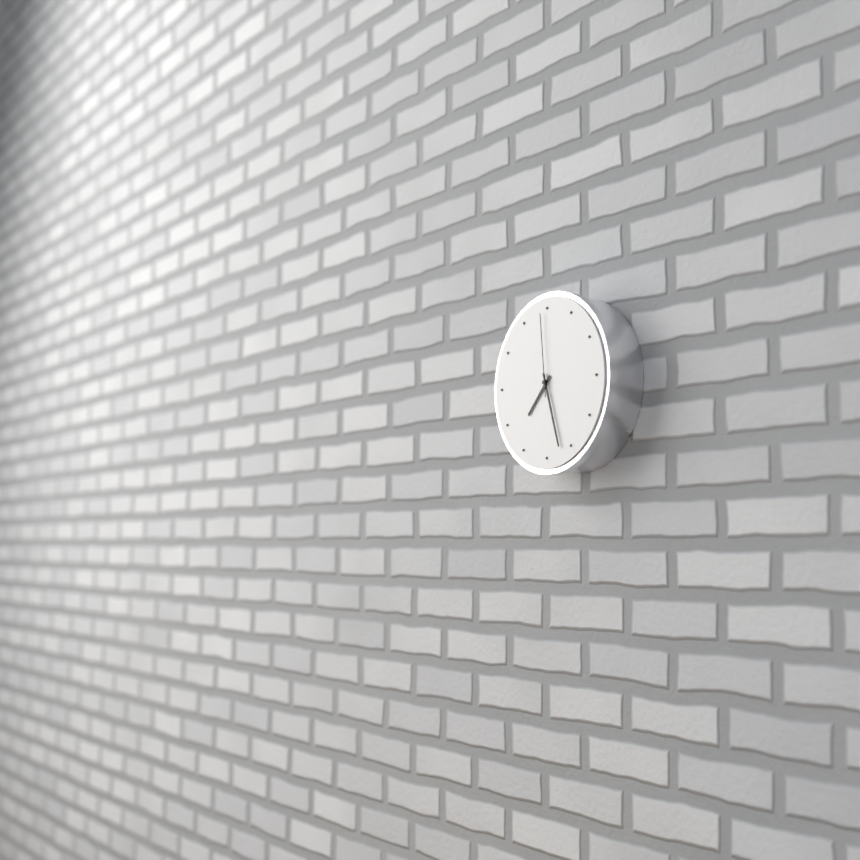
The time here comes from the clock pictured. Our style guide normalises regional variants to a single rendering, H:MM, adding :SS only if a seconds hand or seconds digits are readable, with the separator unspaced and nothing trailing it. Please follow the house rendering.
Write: 7:27:59
